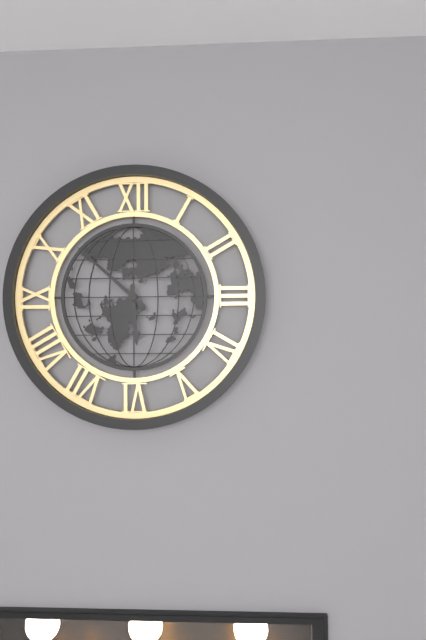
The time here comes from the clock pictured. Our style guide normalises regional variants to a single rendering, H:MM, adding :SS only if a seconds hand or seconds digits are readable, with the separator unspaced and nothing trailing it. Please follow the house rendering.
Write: 5:52
